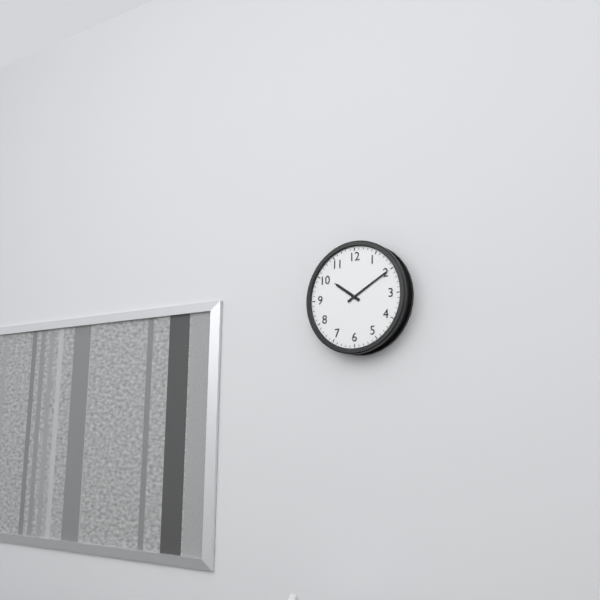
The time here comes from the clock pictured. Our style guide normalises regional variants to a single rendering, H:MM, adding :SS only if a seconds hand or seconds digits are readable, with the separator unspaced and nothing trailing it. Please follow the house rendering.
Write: 10:10
